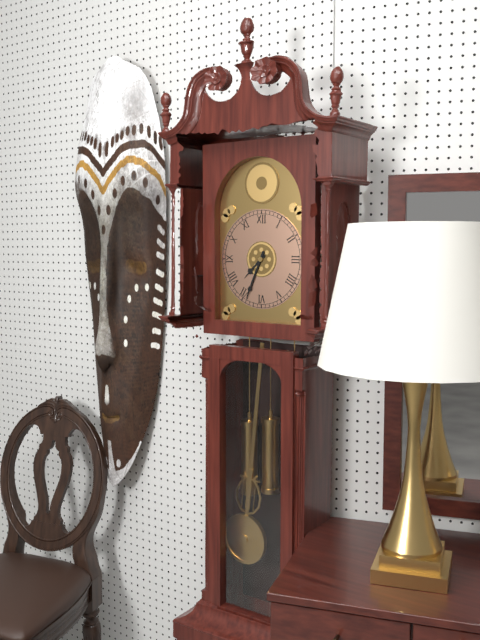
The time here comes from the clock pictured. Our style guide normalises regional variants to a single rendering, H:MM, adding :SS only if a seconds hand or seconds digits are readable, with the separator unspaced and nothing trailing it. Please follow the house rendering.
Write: 7:34
